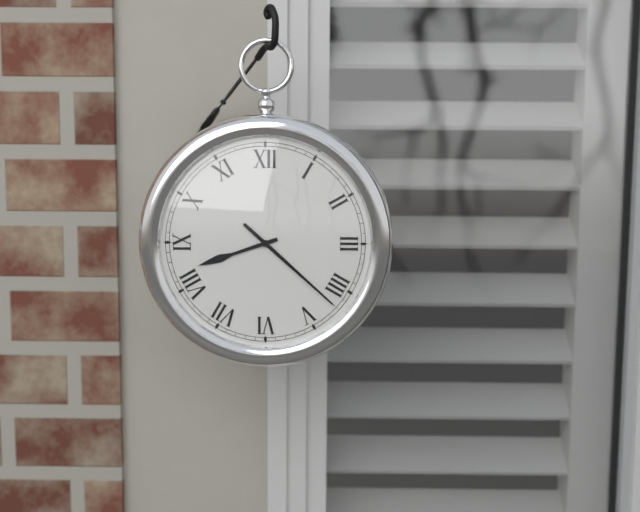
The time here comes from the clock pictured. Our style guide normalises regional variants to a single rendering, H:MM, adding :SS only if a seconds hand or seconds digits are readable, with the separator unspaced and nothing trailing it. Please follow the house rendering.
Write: 8:22
